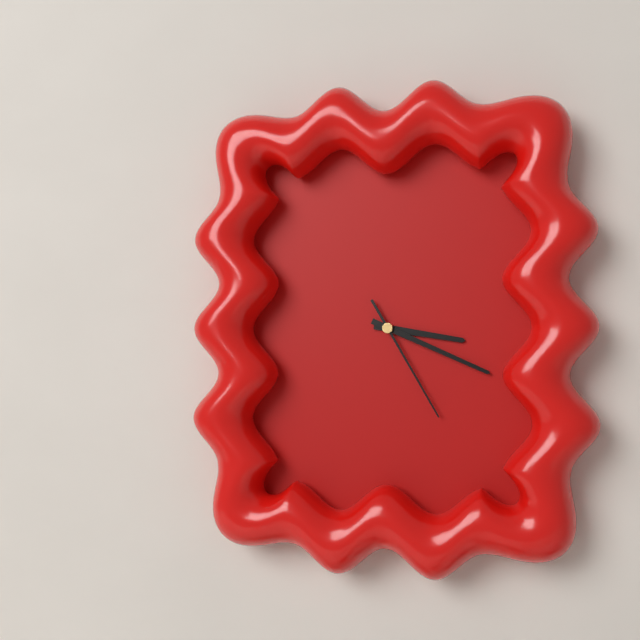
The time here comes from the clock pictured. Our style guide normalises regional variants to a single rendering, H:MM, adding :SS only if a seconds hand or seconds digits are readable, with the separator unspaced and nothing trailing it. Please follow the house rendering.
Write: 3:19:25
